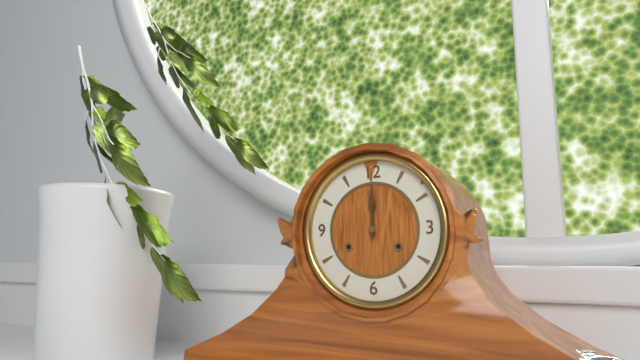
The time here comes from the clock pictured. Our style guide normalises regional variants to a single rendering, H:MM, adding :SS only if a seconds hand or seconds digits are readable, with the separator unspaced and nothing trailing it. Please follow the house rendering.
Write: 12:00
